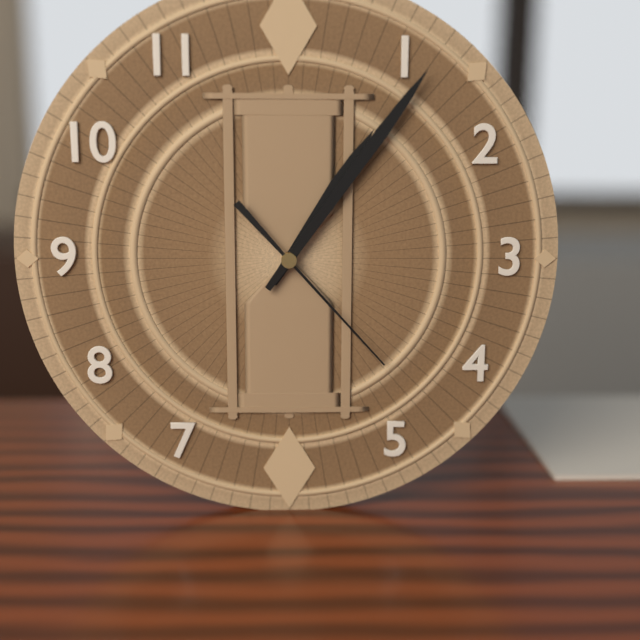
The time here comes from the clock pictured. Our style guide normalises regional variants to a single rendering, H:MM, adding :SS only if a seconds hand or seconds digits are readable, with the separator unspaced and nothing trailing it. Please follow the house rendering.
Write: 1:06:23
